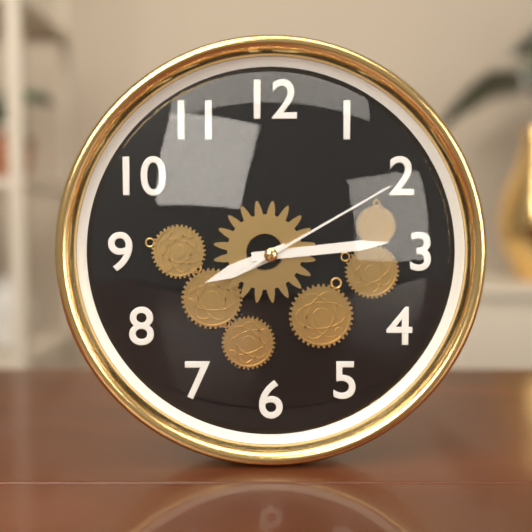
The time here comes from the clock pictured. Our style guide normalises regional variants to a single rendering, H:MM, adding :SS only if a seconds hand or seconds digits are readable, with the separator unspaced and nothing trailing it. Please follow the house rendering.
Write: 8:14:10
